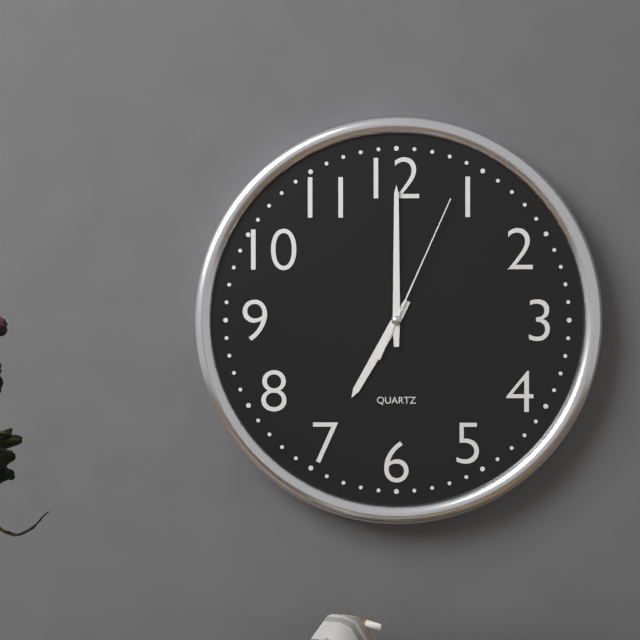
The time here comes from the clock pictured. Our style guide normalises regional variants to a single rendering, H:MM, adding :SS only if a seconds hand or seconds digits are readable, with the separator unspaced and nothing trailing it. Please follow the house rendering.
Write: 7:00:04
